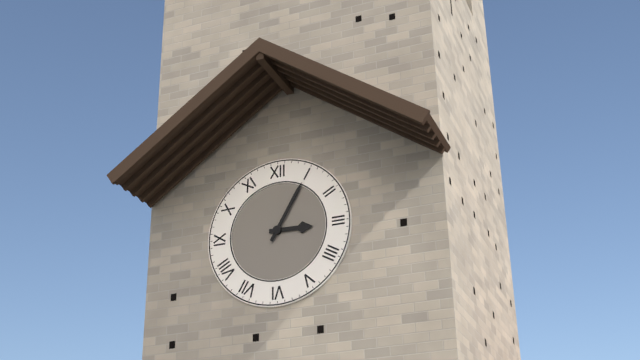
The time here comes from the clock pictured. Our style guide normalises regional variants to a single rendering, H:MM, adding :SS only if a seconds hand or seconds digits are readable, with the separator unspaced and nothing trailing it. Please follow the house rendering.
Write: 3:05
